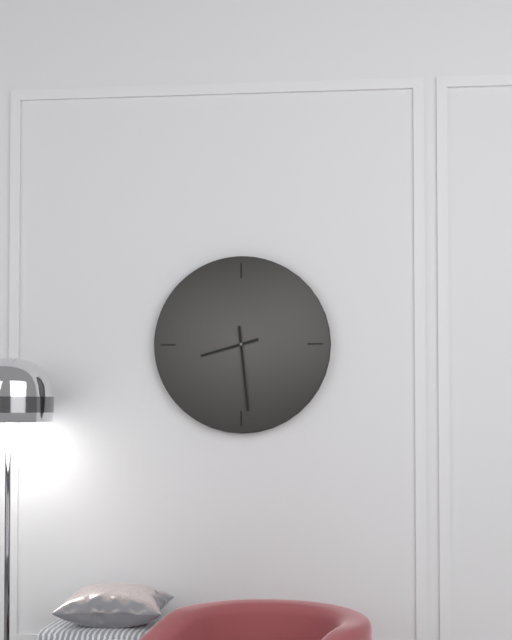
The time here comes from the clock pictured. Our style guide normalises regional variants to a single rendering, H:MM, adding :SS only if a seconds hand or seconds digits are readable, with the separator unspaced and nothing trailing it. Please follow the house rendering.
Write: 8:29
